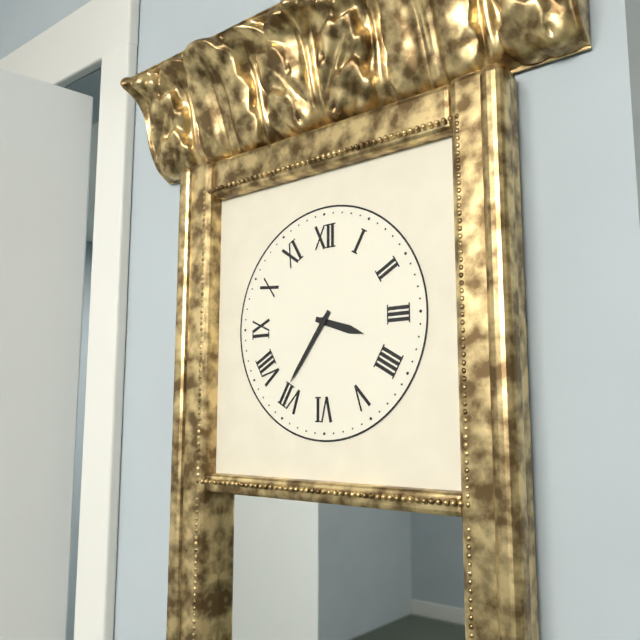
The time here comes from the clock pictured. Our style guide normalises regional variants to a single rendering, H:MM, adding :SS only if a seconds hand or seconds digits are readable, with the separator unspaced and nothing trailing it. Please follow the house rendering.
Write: 3:36
